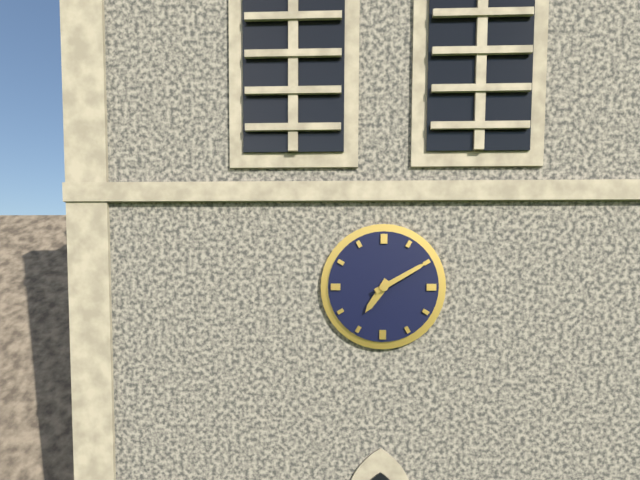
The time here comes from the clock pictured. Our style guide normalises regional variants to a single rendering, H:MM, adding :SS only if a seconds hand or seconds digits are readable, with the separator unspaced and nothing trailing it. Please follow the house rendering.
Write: 7:10
